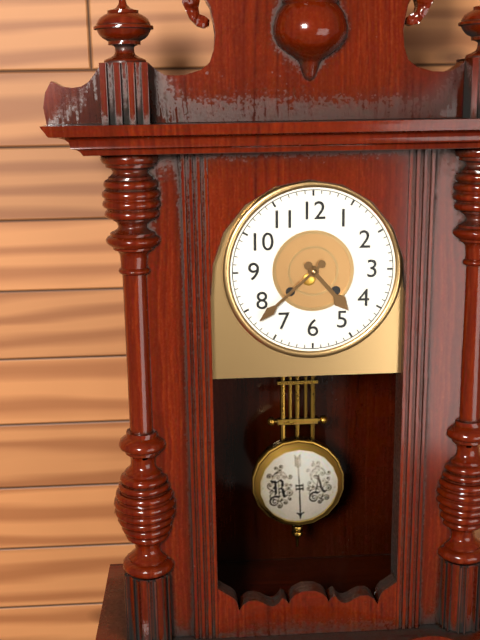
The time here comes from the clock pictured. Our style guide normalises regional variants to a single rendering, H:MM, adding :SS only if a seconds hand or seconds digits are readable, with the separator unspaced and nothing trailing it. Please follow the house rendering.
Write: 4:38
